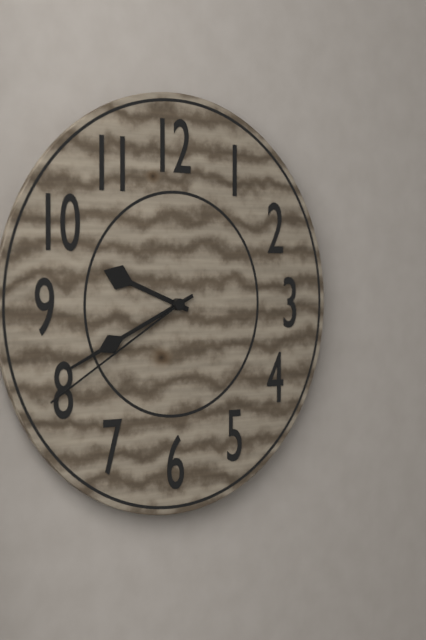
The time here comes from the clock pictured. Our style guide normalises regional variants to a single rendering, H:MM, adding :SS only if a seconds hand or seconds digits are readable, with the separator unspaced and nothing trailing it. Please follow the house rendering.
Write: 9:41:40
